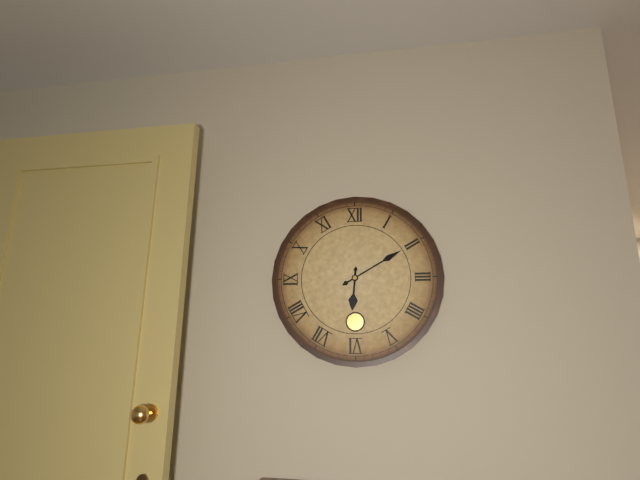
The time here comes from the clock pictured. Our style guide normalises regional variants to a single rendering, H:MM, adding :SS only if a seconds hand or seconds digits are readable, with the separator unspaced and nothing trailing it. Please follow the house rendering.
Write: 6:10
